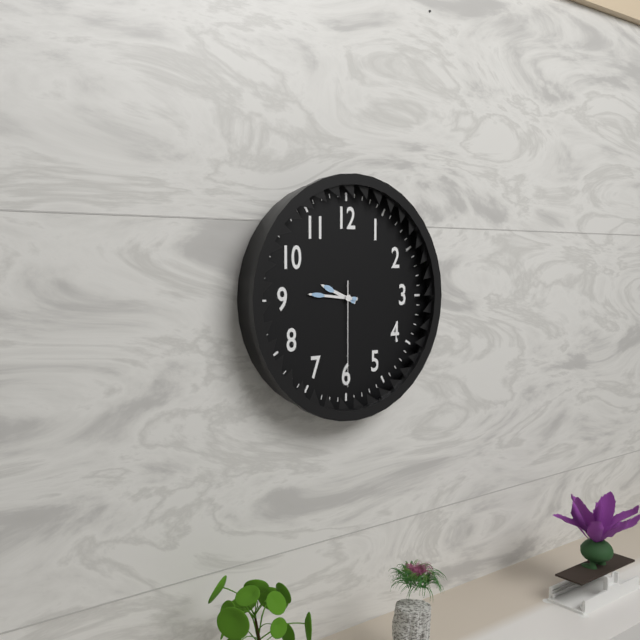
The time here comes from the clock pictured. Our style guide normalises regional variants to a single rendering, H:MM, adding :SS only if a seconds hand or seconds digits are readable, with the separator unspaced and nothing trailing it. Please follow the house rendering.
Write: 9:46:30
